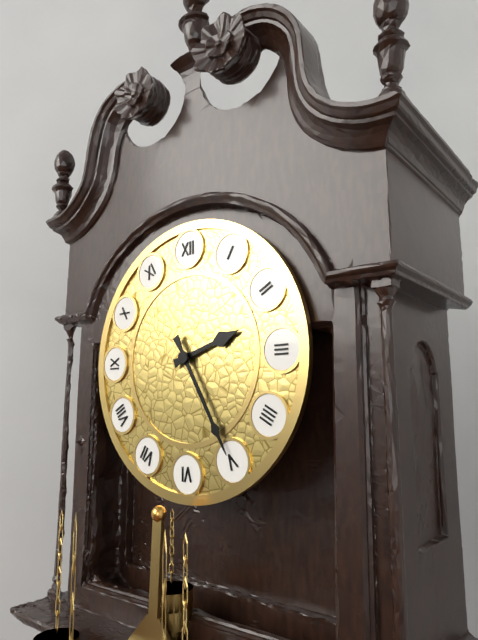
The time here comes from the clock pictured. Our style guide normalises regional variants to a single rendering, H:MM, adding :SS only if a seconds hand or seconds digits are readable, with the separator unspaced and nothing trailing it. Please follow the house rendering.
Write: 2:25
